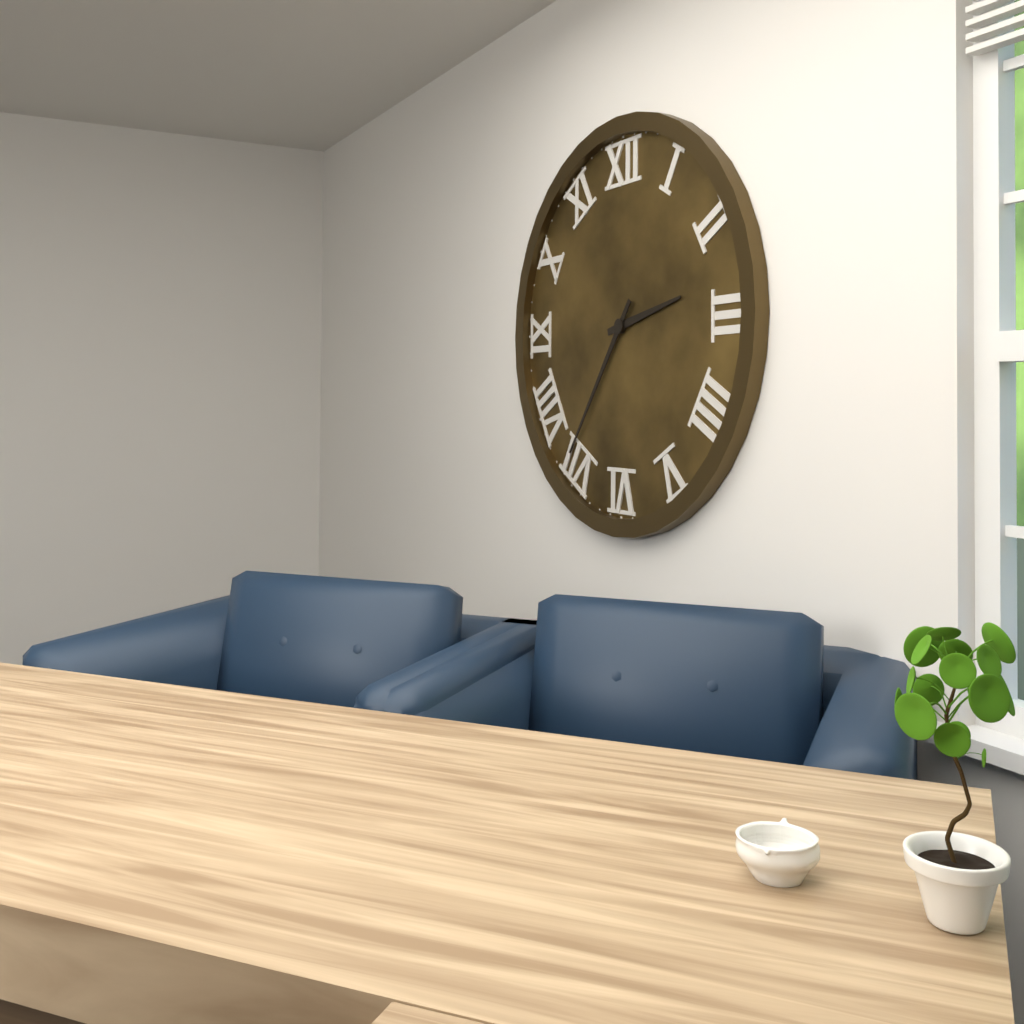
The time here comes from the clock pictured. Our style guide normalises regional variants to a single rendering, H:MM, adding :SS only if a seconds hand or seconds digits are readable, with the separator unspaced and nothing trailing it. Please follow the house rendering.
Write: 2:36
